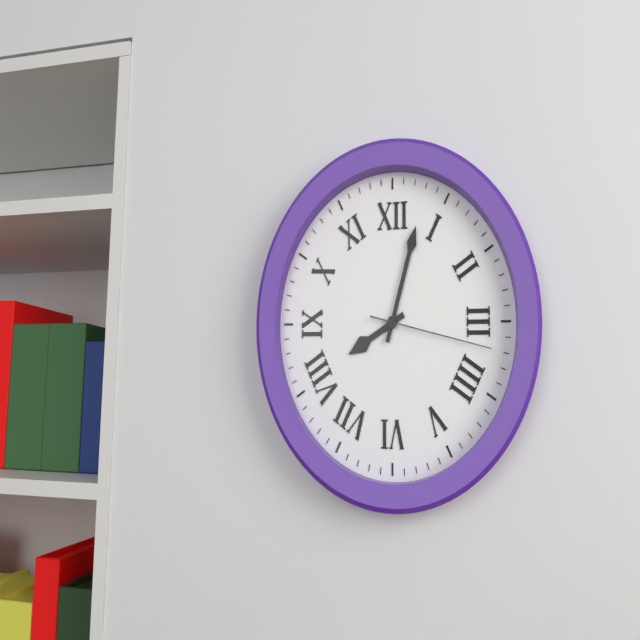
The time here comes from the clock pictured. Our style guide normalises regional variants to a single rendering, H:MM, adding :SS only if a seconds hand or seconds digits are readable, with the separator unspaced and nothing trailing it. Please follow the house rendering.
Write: 8:03:17
